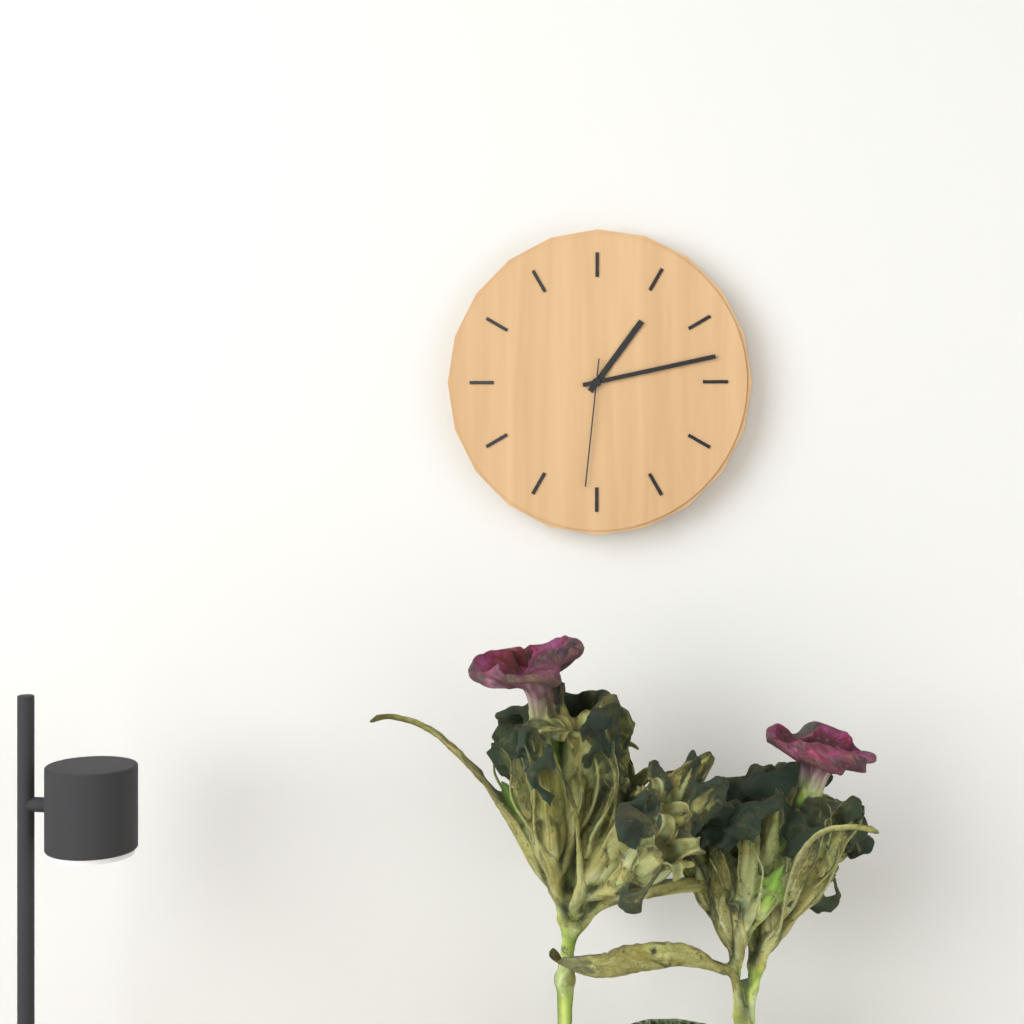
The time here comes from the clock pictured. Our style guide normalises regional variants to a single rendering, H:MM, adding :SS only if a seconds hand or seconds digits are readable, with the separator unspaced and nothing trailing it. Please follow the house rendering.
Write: 1:13:31
